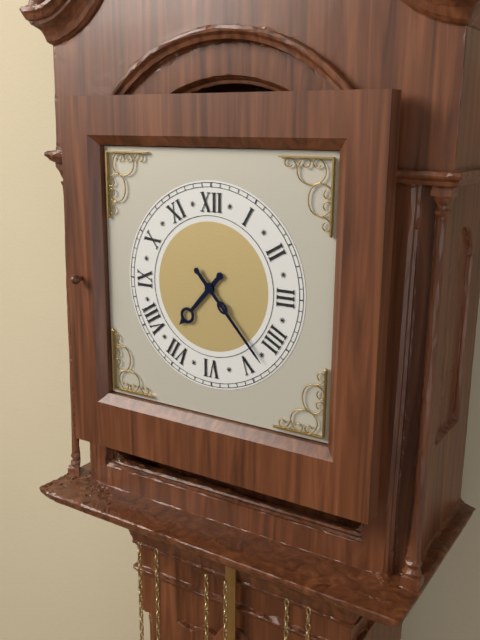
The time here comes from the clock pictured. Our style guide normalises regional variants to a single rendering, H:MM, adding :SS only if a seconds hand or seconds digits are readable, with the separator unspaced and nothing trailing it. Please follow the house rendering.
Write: 7:23
